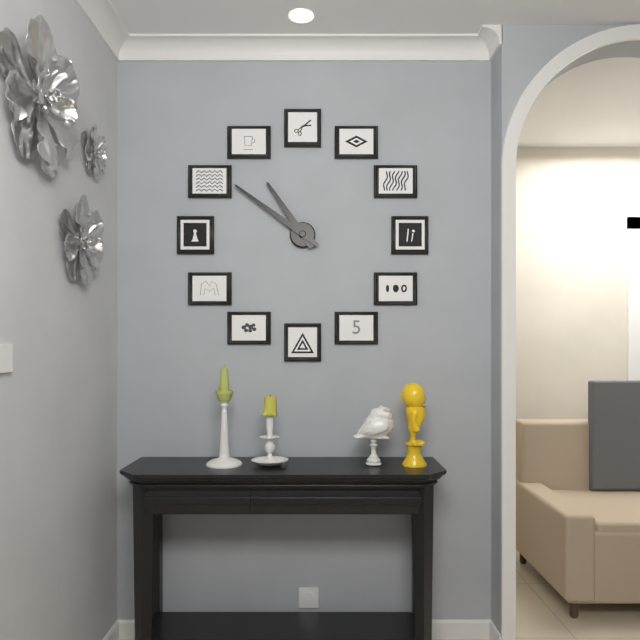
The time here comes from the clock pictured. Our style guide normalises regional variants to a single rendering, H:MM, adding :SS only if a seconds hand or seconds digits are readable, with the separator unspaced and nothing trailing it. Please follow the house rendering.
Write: 10:51
